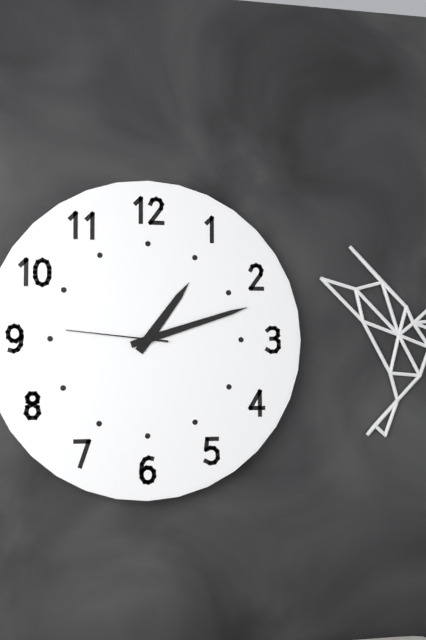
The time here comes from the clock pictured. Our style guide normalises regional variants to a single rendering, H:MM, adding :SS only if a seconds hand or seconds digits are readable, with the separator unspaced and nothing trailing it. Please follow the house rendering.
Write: 1:12:46
